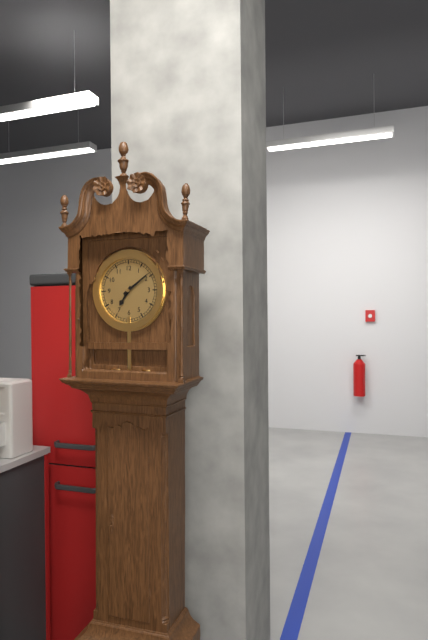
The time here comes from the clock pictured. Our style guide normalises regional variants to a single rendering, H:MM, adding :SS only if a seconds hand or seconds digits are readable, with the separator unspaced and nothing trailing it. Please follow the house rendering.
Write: 7:09
